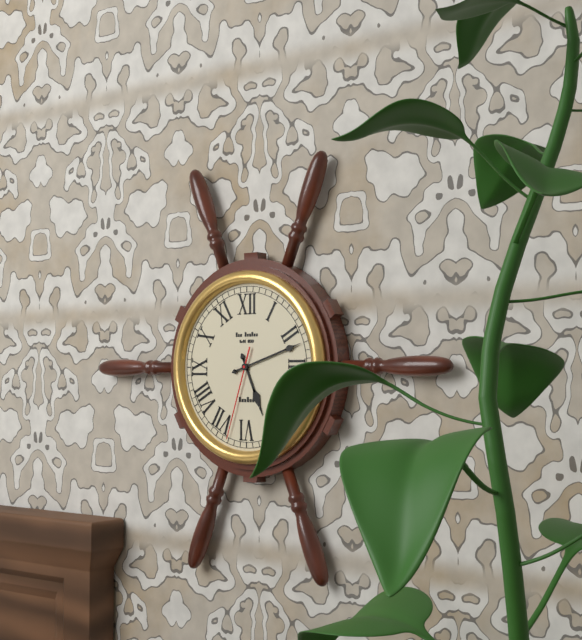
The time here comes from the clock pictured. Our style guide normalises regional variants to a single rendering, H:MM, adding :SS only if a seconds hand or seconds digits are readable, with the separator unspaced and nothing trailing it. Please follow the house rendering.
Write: 5:12:33
